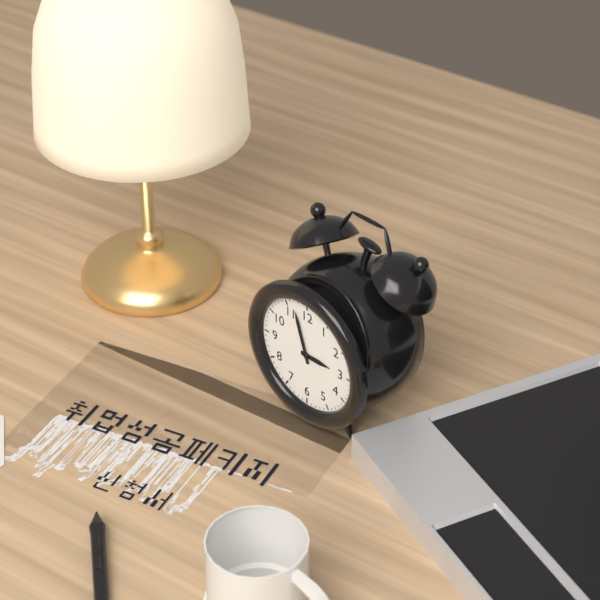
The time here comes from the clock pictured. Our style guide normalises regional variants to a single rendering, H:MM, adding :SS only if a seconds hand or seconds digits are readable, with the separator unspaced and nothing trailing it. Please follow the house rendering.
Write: 2:57
